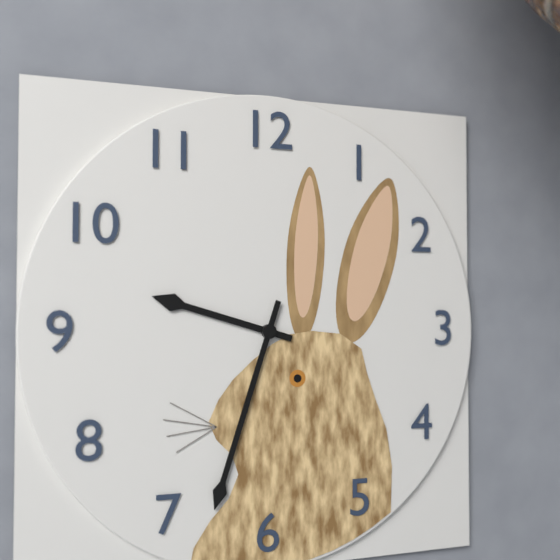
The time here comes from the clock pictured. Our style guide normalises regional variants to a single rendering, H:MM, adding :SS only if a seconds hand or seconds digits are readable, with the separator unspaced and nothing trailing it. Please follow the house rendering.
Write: 9:33
